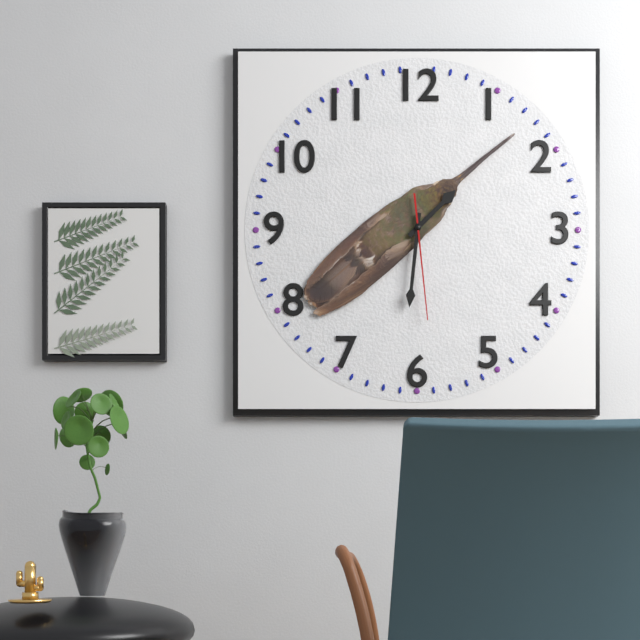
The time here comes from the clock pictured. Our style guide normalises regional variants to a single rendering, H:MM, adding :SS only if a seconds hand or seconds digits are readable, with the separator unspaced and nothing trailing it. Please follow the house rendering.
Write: 1:31:29
